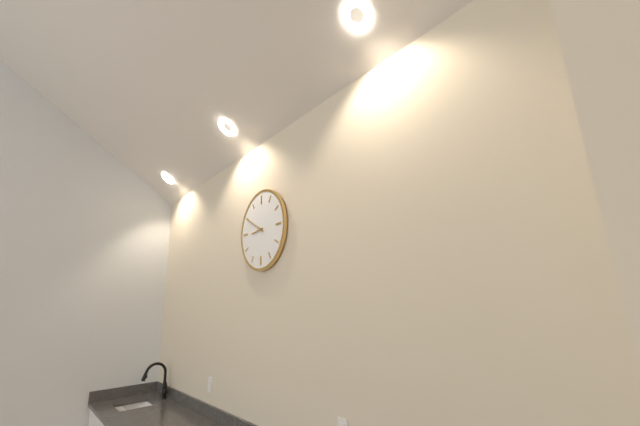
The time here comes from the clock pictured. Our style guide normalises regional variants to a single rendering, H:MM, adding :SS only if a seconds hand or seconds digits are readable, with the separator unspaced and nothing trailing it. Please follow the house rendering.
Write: 8:50
